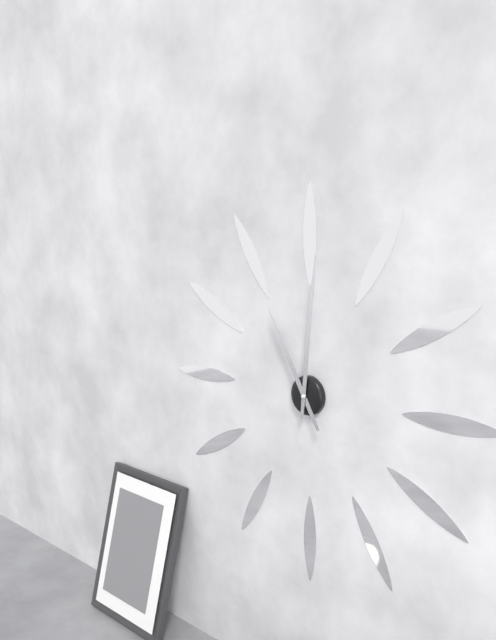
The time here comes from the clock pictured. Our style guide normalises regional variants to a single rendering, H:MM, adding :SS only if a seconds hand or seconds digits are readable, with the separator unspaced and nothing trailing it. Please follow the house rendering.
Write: 11:01
